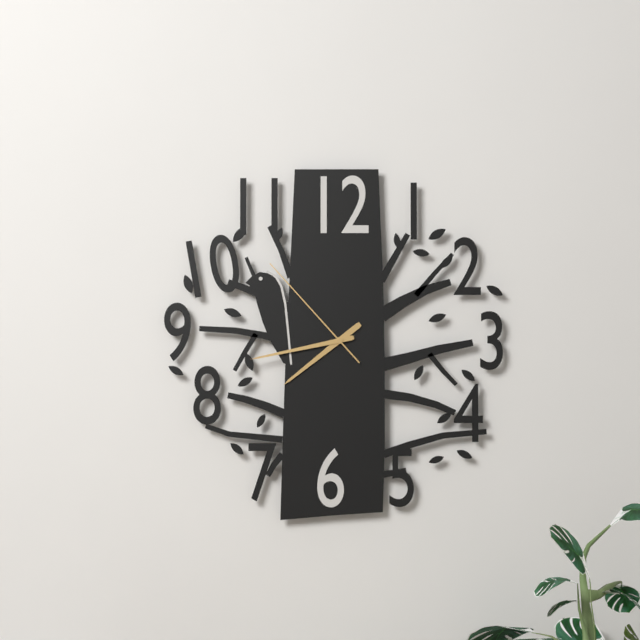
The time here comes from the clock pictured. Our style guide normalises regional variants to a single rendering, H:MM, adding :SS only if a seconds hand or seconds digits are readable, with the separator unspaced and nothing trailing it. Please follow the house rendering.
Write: 7:43:53
